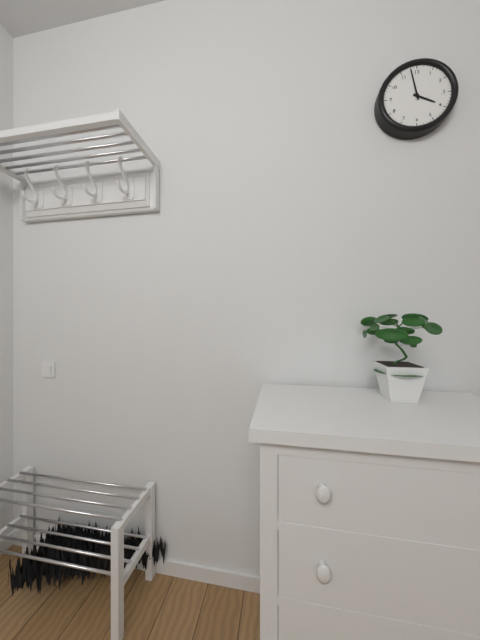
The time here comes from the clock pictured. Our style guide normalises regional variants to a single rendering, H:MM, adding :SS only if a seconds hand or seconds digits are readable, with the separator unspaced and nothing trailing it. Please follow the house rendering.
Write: 3:58
